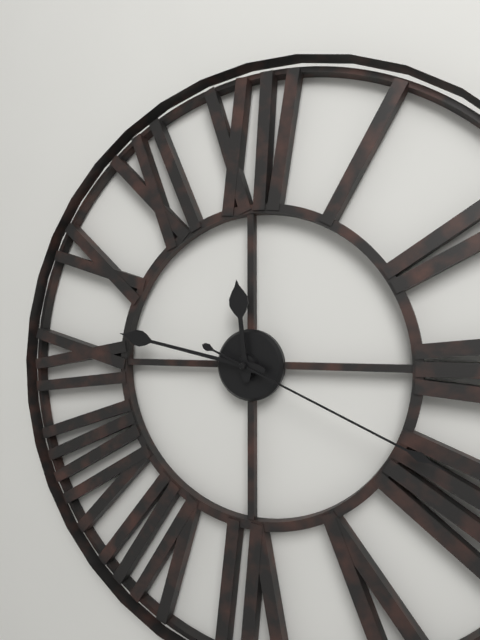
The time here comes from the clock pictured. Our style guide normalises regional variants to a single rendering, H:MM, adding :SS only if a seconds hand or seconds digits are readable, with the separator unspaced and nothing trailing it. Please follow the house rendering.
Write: 11:47:19
